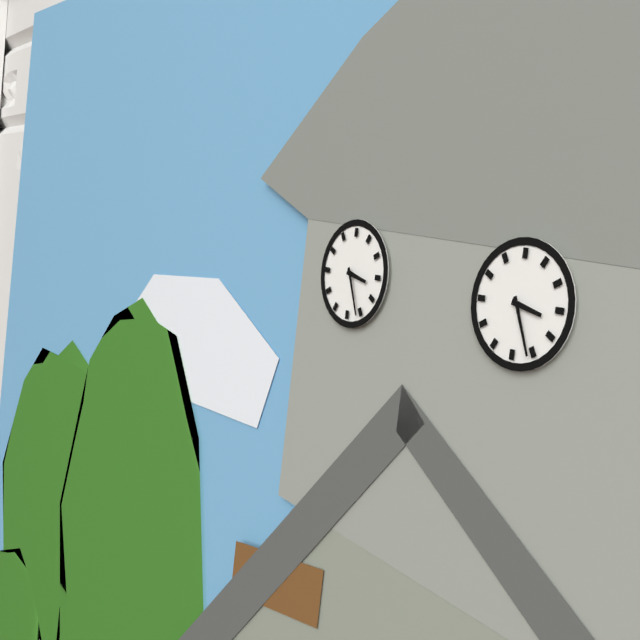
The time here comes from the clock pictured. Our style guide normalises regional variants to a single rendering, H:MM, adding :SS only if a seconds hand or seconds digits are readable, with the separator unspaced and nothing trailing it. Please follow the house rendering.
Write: 3:26
